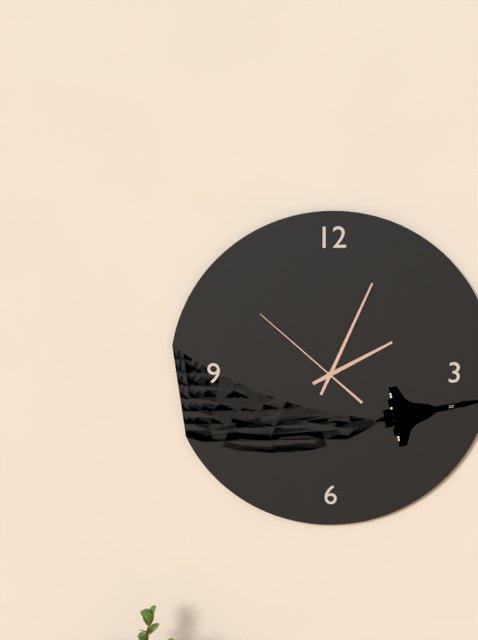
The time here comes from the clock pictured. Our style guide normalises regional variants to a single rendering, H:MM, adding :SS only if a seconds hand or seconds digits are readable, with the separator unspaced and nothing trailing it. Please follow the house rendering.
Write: 2:04:52
